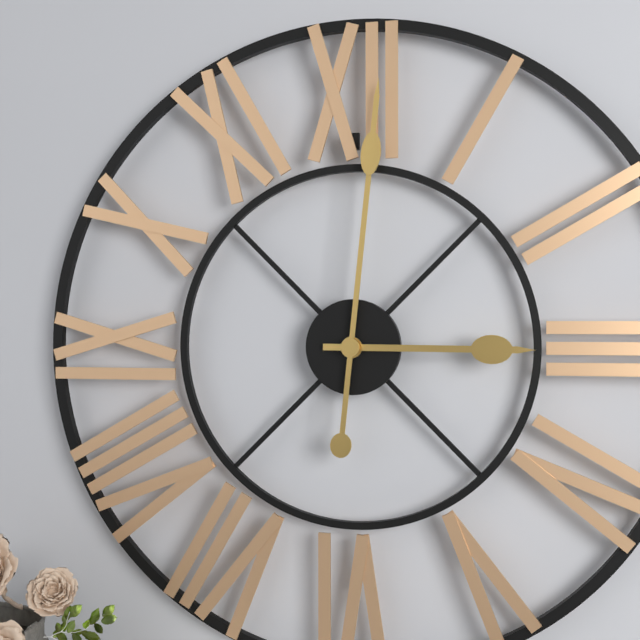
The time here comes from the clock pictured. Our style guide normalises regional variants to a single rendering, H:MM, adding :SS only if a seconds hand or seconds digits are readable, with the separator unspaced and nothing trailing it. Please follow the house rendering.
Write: 3:01
